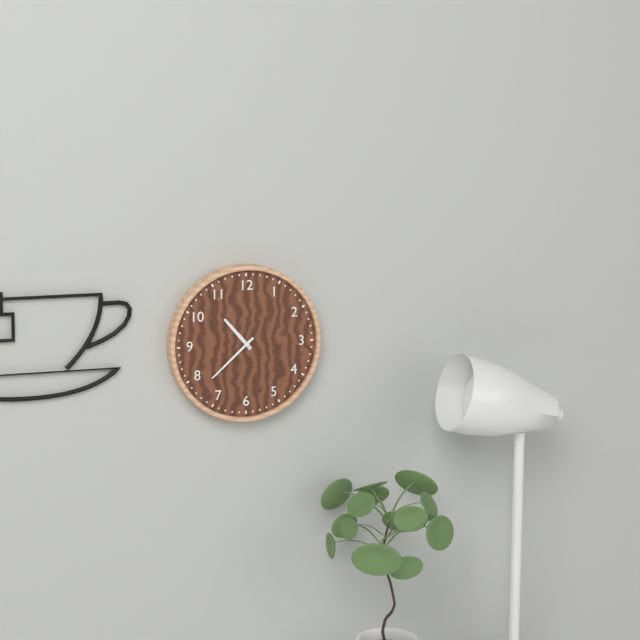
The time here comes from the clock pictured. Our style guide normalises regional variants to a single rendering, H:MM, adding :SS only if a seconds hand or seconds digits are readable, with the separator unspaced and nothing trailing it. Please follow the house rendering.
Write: 10:38
